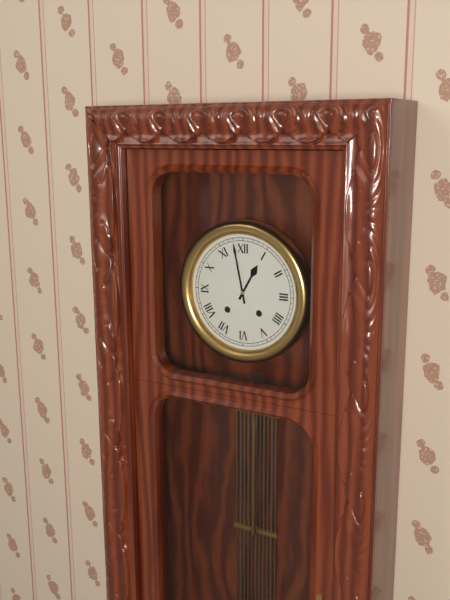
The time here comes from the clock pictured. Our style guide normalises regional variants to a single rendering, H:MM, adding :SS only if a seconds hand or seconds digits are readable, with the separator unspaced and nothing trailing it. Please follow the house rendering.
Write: 12:58
